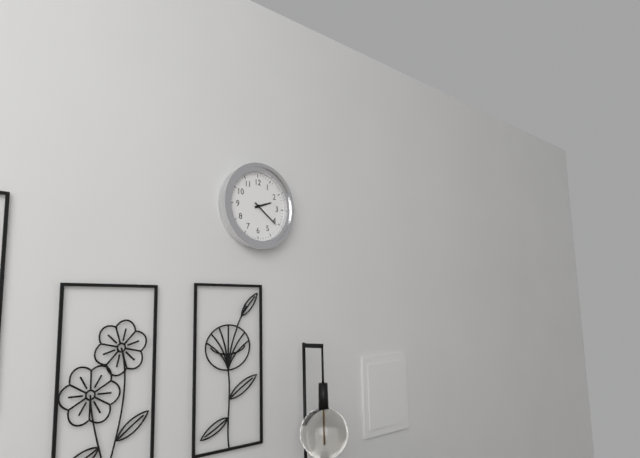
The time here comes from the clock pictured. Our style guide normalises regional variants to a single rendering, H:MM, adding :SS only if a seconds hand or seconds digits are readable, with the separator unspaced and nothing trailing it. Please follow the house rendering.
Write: 2:21
